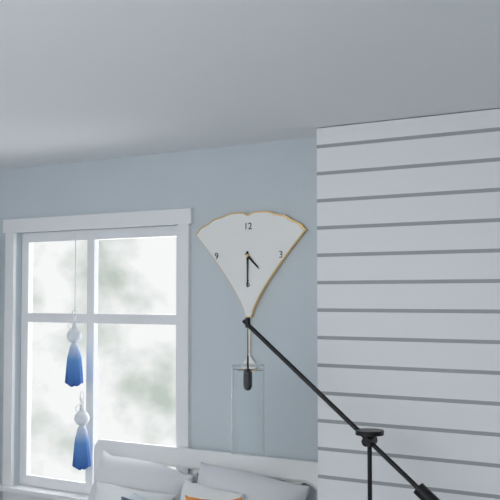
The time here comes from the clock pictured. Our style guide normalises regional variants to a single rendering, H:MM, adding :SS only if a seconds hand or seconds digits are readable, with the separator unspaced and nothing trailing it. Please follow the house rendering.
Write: 4:30
